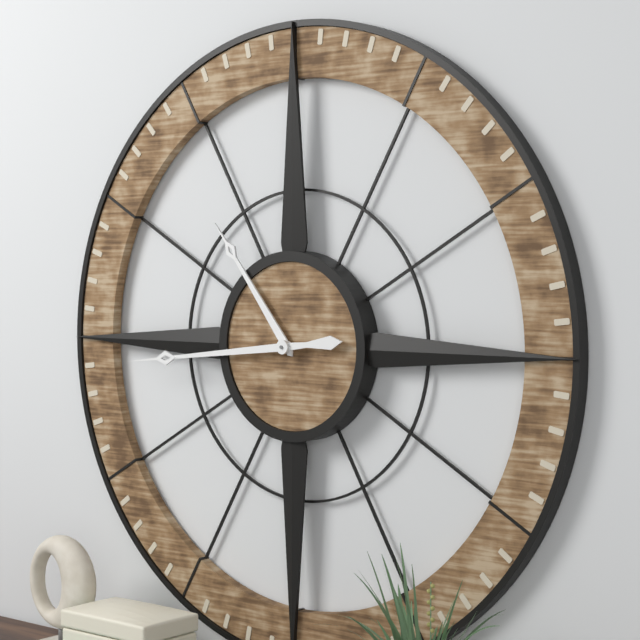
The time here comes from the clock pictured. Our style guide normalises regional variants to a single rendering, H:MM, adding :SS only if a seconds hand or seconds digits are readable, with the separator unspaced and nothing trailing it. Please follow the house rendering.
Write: 10:44
